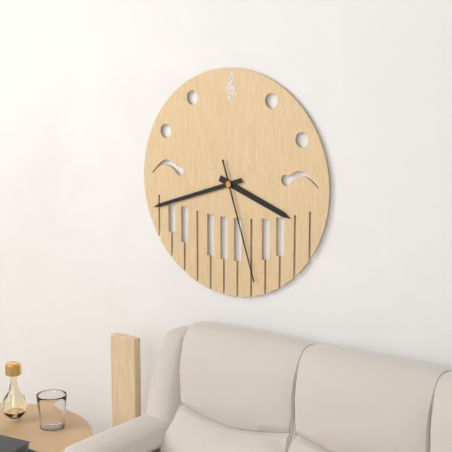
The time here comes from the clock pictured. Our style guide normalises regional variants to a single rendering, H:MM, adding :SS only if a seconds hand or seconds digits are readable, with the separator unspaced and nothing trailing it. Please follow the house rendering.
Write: 3:42:27
